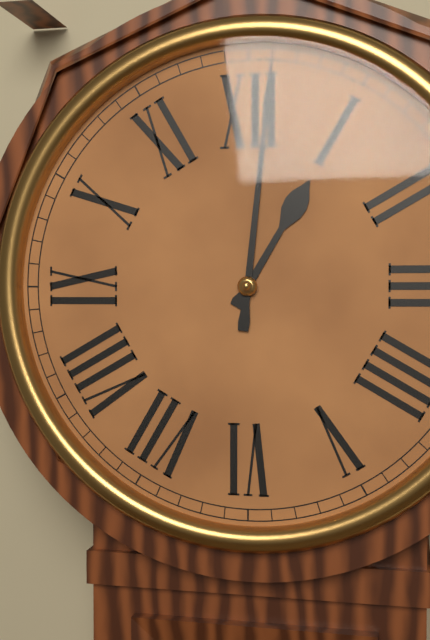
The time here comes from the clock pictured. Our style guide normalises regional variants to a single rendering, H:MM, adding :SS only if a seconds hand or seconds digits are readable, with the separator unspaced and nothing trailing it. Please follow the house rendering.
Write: 1:01
